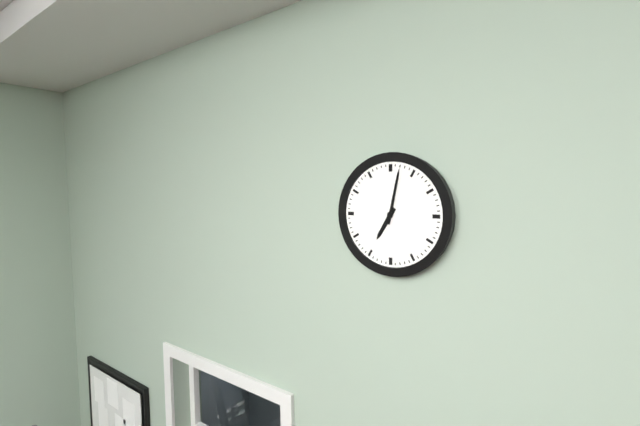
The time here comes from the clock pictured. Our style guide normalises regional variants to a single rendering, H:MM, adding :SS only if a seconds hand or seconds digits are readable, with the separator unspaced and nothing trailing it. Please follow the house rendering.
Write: 7:02
